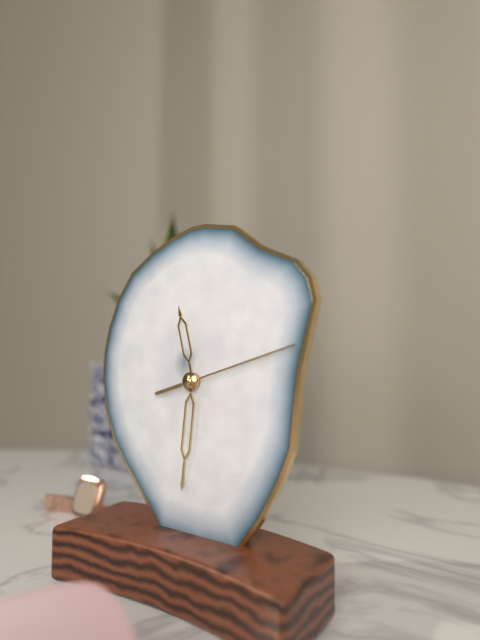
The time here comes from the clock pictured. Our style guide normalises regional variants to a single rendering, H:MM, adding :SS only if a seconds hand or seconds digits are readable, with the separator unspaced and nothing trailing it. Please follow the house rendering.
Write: 11:31:12
